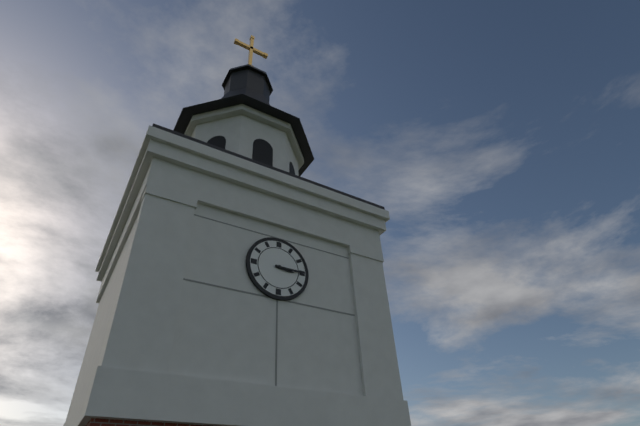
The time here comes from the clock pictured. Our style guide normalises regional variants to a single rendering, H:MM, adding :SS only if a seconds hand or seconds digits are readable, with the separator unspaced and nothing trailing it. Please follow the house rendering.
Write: 3:15
